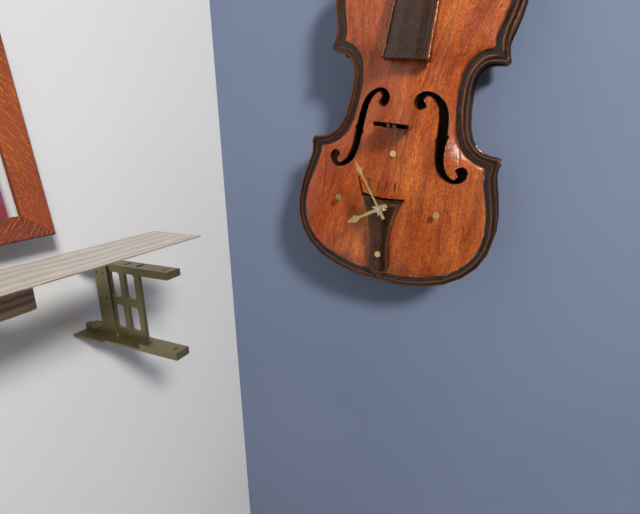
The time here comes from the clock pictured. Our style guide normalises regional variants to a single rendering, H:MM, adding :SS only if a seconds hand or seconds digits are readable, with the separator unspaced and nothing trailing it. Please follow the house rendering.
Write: 7:54
